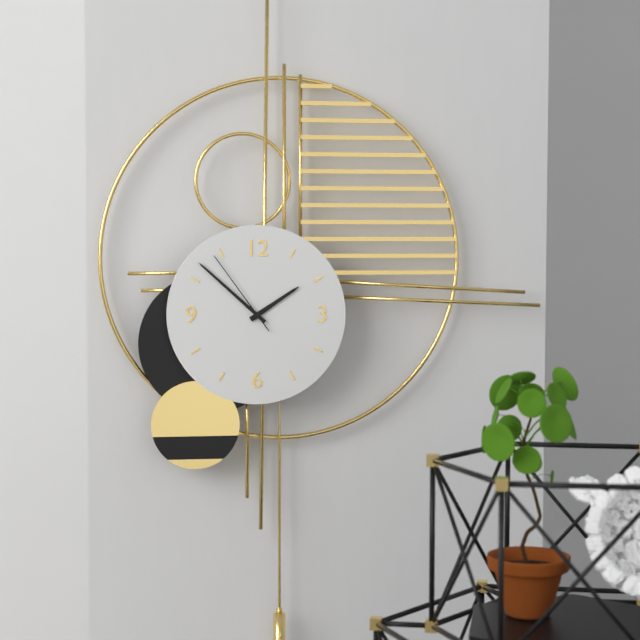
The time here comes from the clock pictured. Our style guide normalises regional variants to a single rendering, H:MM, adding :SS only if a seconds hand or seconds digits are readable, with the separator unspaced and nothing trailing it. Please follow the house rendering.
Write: 1:52:54
